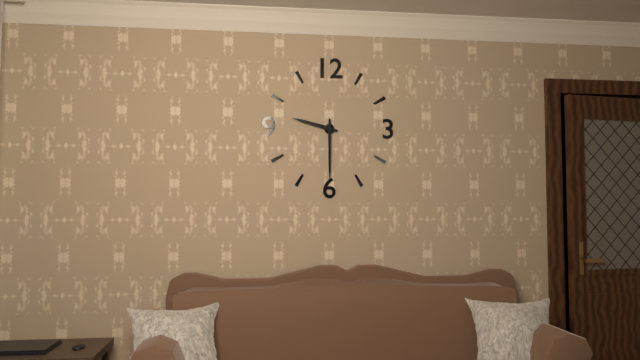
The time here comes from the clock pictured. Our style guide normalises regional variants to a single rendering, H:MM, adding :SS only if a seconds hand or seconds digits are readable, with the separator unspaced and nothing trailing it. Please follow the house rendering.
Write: 9:30
